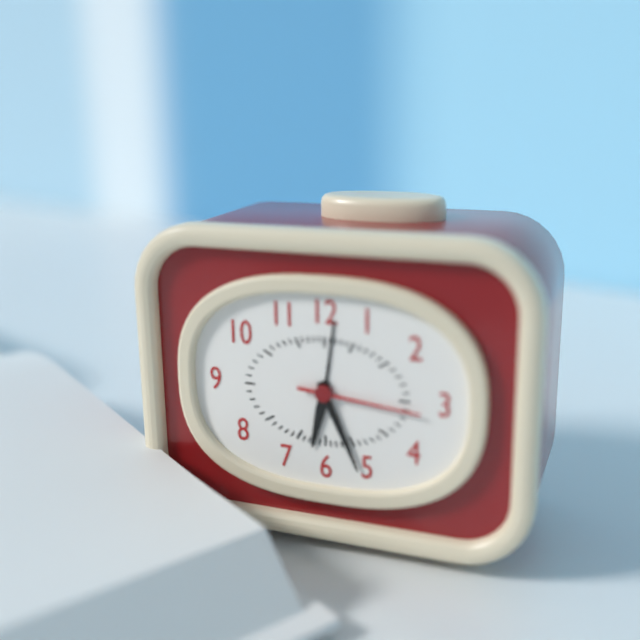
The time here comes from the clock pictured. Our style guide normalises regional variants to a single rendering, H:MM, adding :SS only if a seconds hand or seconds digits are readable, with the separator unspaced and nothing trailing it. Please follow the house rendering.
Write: 6:26:16
